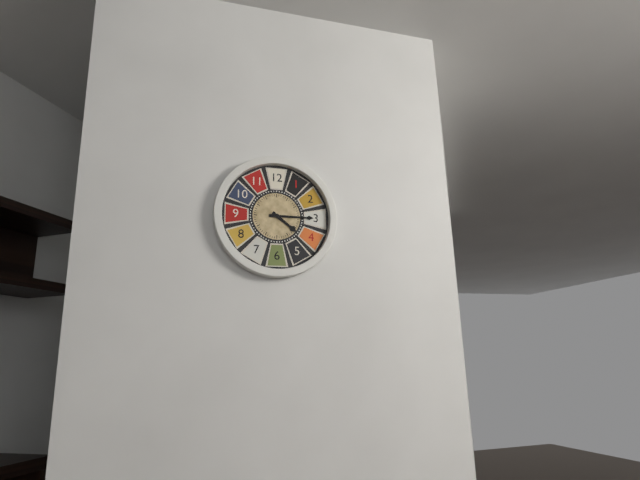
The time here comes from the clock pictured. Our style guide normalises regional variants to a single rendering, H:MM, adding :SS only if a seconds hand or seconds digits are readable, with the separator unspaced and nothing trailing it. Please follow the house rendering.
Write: 4:15
